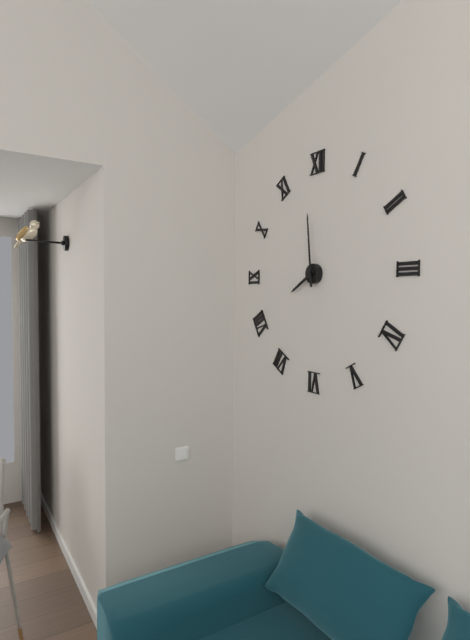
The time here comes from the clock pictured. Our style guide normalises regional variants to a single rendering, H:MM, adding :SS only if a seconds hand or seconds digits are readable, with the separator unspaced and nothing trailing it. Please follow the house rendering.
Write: 7:59
